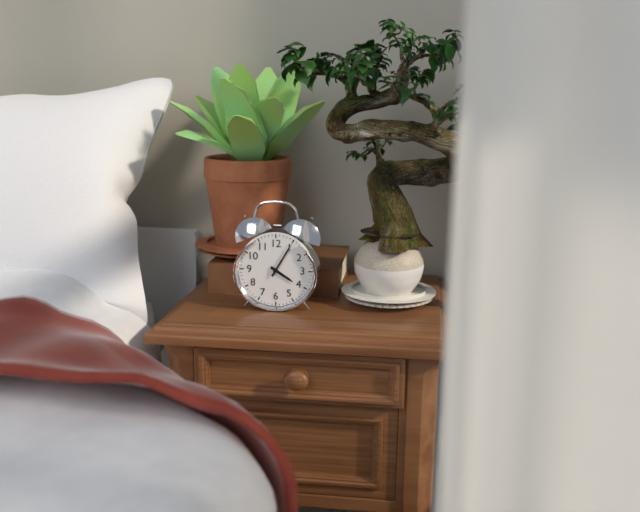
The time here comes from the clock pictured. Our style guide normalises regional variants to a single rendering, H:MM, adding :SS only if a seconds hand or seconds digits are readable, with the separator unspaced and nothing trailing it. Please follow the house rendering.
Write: 4:05
